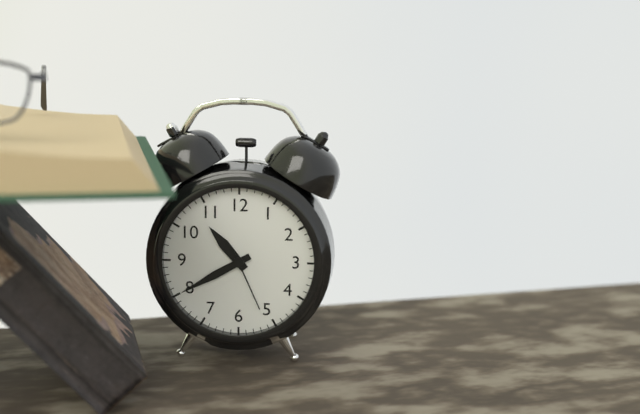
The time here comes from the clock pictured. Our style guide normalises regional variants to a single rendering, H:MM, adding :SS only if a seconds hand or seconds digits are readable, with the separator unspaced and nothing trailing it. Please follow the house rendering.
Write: 10:40:26
